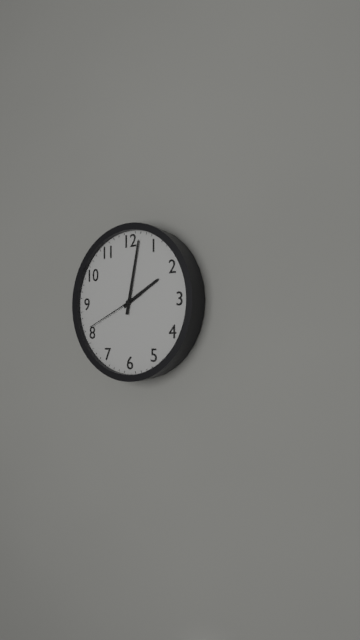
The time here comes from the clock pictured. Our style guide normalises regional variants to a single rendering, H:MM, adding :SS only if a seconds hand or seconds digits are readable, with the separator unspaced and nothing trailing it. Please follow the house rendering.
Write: 2:02:41
